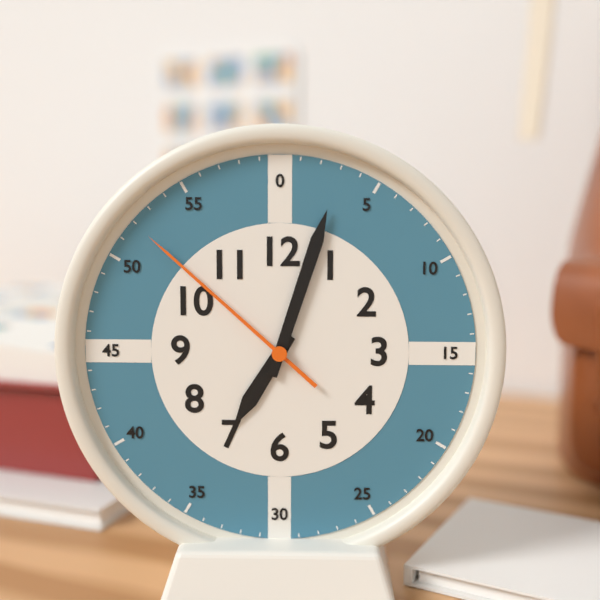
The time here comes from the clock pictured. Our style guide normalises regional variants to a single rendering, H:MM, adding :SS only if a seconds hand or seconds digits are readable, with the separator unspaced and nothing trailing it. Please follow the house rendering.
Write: 7:03:52
